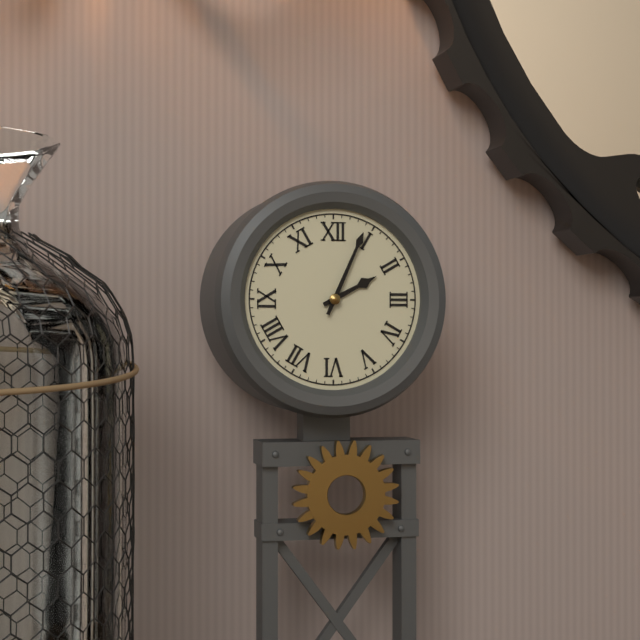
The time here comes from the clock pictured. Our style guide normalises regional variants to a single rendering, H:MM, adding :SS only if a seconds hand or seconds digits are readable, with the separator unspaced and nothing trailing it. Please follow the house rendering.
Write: 2:04
